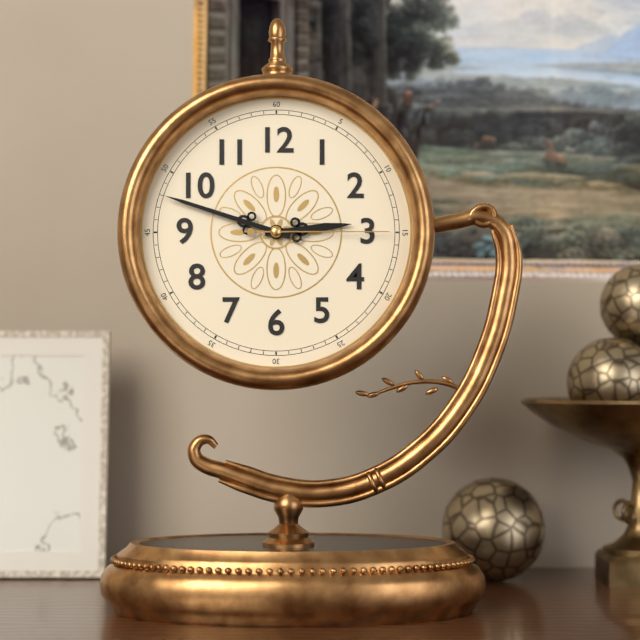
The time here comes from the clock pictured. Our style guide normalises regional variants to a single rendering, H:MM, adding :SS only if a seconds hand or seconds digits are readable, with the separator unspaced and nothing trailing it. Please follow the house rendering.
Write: 2:48:15
